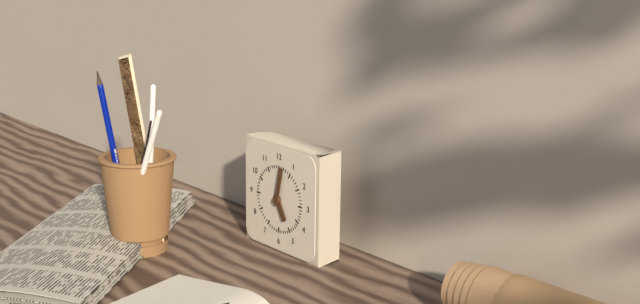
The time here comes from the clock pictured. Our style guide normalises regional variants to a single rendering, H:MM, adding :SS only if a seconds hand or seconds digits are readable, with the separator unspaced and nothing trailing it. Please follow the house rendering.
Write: 5:02
